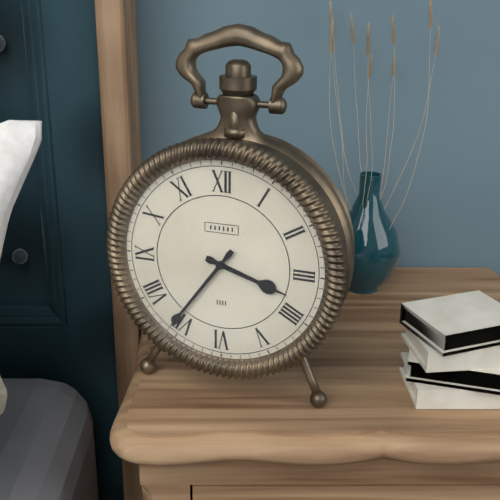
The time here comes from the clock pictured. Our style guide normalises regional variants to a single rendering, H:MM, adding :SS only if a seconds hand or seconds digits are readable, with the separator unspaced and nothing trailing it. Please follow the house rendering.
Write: 3:36
